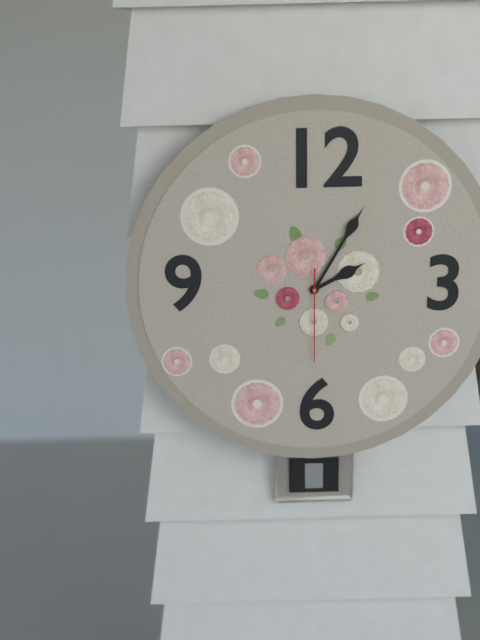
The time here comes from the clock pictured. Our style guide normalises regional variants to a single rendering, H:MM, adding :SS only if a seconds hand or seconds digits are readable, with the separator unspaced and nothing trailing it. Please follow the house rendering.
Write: 2:05:30
